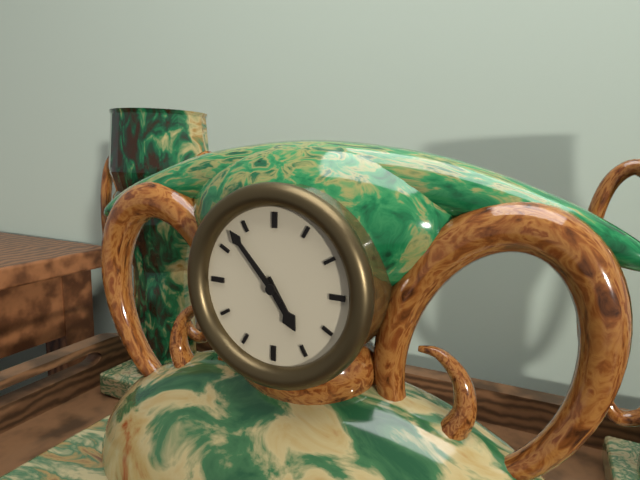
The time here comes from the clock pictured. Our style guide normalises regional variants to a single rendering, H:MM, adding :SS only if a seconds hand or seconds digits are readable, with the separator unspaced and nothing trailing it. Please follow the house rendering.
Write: 4:53
